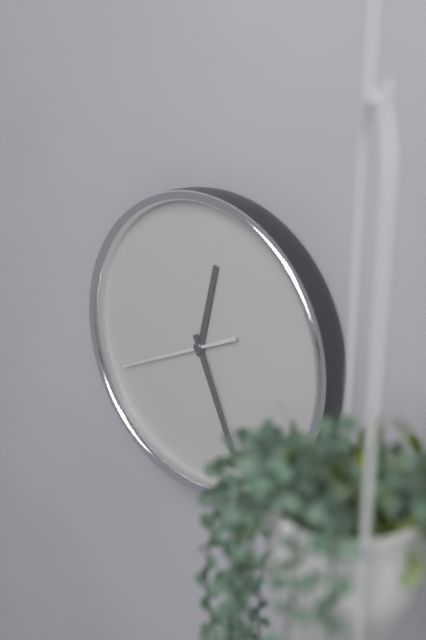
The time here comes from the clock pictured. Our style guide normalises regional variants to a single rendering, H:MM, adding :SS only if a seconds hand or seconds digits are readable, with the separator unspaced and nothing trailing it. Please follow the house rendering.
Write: 12:26:41
